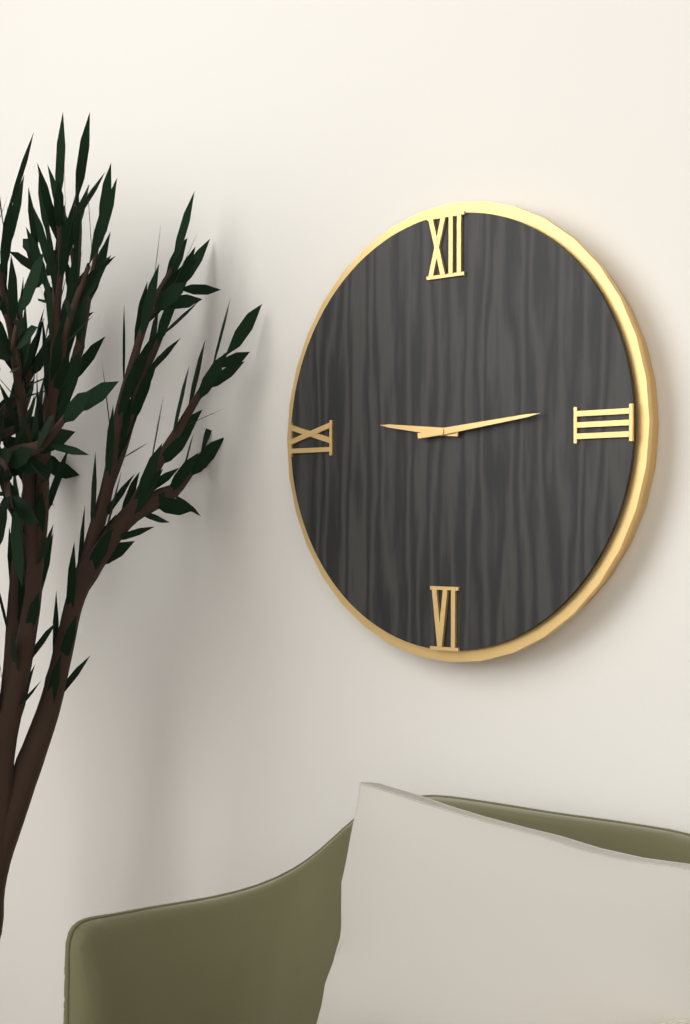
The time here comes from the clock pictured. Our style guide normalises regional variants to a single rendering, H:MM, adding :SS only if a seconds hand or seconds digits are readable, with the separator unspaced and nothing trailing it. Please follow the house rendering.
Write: 9:14
